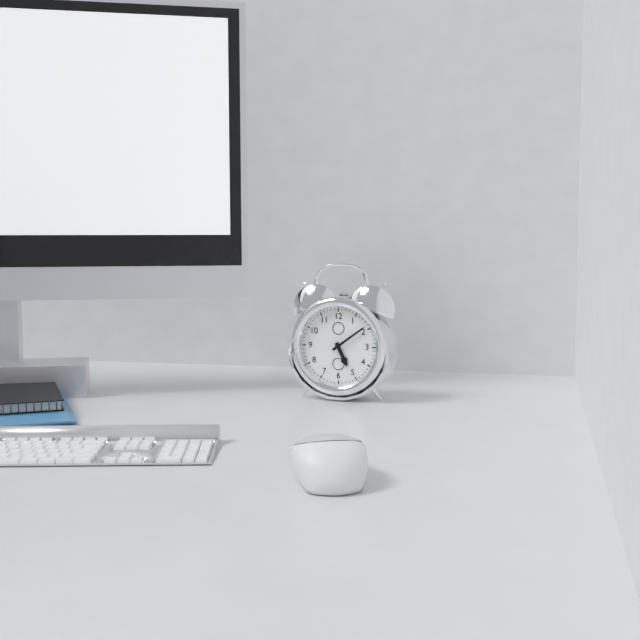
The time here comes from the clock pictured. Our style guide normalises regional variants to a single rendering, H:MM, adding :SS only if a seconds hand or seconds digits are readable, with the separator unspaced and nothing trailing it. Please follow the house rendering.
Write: 5:09
